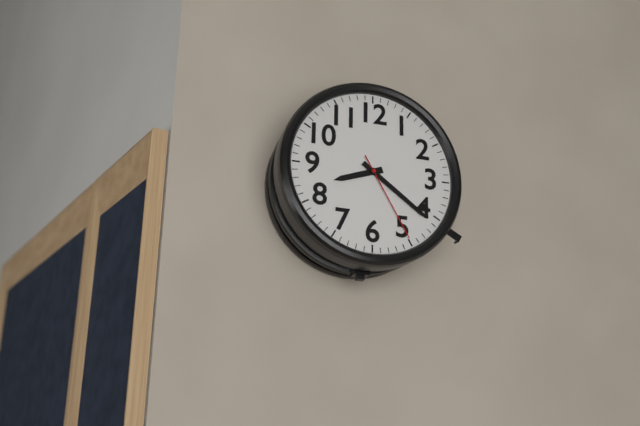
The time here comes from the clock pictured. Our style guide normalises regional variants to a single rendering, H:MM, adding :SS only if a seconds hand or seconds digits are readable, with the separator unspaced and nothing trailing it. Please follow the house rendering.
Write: 8:21:25
